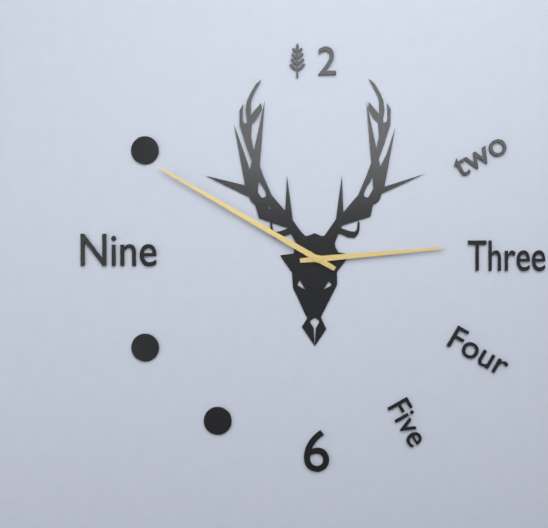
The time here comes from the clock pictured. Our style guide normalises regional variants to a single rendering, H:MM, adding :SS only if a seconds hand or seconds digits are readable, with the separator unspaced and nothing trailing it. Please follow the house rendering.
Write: 2:50
